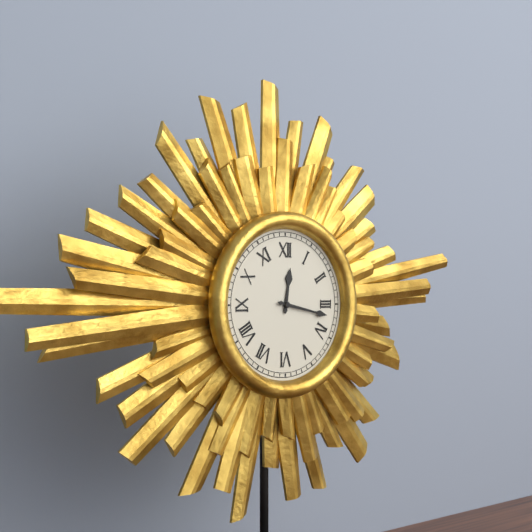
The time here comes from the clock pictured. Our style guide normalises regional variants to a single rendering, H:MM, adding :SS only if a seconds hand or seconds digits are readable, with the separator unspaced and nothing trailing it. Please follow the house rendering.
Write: 12:17
